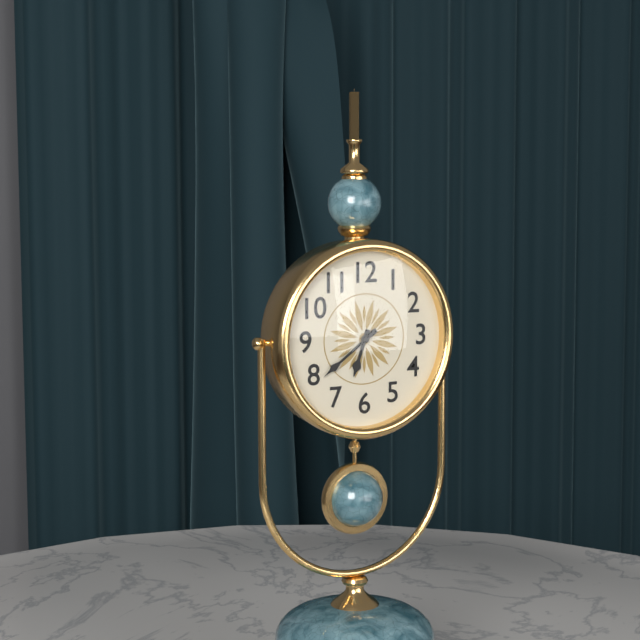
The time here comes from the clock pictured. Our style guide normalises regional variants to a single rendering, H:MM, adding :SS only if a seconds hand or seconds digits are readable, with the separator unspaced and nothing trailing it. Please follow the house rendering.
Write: 6:39
